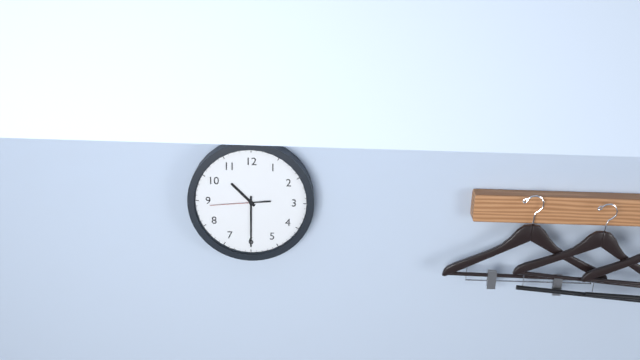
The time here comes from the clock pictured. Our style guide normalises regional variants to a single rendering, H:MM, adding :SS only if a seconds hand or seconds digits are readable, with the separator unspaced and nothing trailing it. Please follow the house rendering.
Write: 10:30:44
